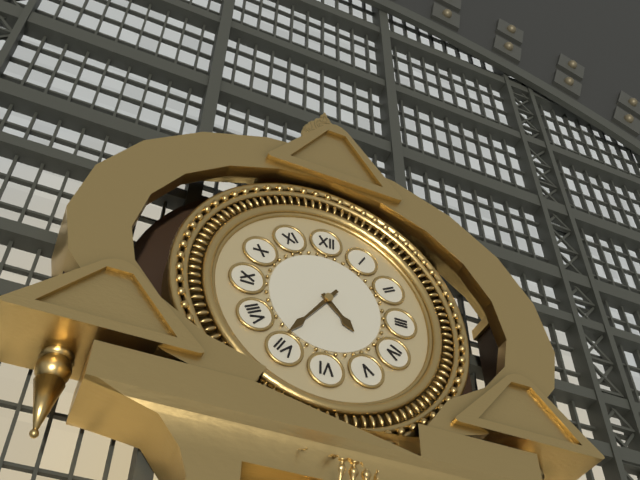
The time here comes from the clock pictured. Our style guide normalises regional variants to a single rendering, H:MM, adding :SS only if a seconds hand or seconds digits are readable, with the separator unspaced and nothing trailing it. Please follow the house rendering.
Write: 4:36
